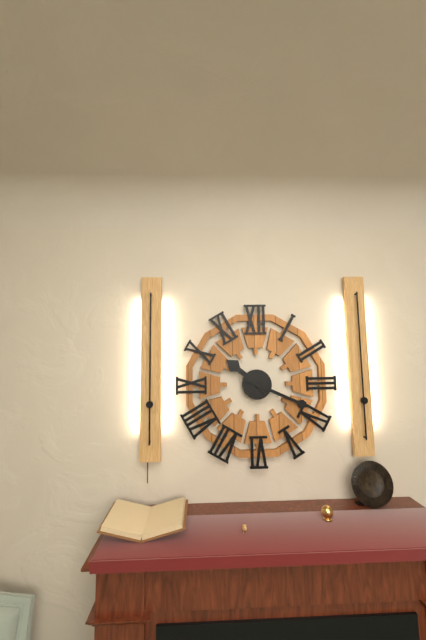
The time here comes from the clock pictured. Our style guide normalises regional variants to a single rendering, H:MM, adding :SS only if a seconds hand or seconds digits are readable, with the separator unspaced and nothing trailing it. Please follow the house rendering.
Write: 10:19
